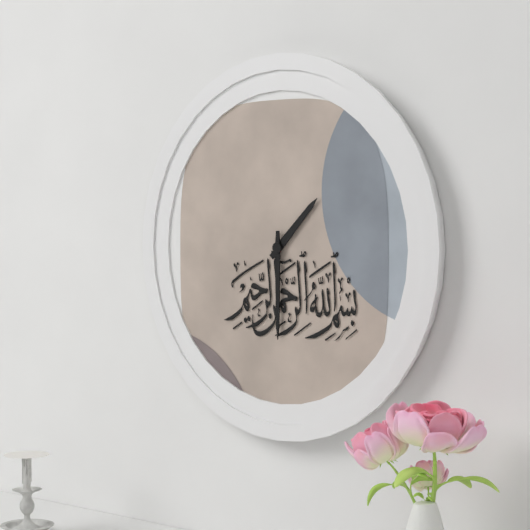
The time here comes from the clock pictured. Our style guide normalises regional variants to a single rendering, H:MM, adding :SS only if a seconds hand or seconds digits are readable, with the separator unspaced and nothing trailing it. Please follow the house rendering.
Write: 1:30
